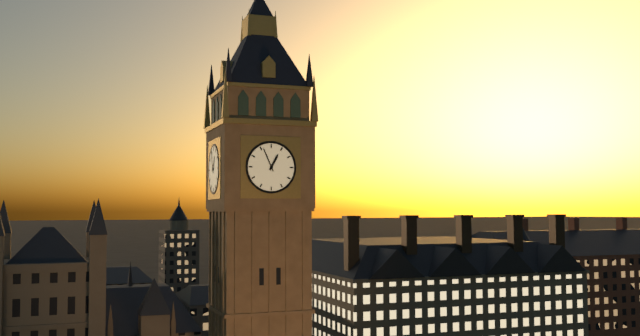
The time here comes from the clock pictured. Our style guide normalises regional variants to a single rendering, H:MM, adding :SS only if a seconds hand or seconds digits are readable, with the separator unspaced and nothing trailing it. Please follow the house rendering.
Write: 12:56
